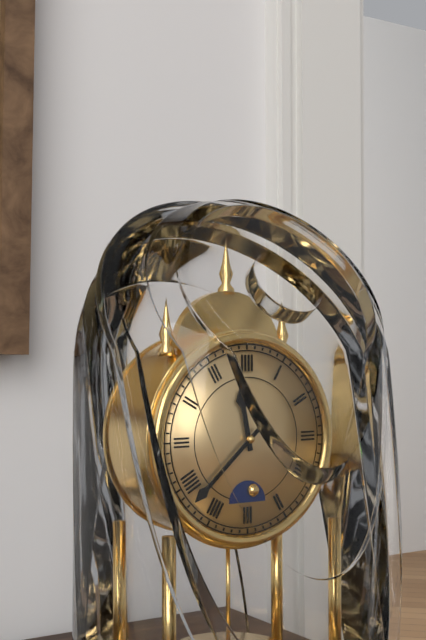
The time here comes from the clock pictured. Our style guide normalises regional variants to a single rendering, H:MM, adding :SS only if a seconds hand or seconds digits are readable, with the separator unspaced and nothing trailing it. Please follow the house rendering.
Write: 11:38
